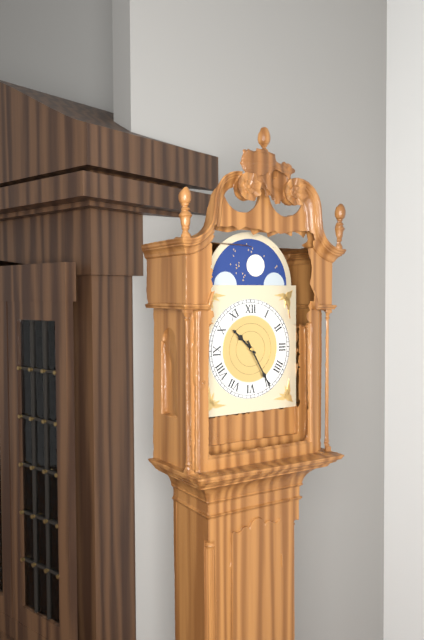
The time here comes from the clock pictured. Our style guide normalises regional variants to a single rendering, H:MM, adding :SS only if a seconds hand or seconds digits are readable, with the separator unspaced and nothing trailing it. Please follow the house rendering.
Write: 10:25
